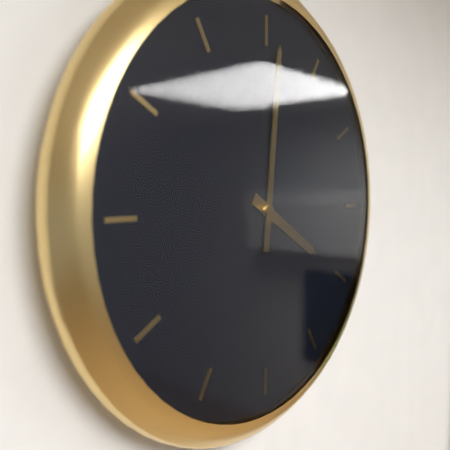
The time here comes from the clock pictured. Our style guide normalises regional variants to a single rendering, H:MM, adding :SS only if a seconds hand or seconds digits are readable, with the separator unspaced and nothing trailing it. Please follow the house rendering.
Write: 4:01
